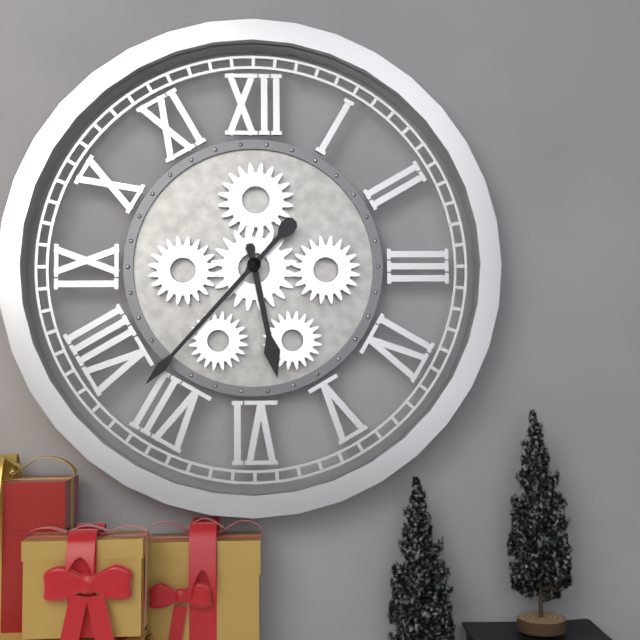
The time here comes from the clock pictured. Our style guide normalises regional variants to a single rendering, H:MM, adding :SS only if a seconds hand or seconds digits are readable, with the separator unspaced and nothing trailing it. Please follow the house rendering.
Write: 5:37
